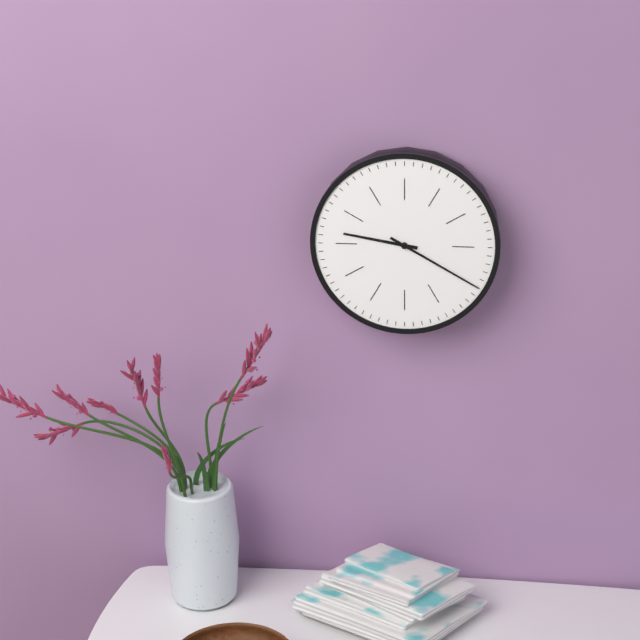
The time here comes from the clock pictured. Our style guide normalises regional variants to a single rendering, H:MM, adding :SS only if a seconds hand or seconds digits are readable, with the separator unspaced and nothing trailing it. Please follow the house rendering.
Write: 9:20
